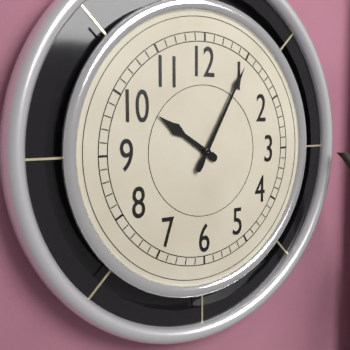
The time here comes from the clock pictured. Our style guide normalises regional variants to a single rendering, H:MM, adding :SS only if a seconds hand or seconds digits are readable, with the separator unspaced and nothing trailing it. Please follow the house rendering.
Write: 10:05
